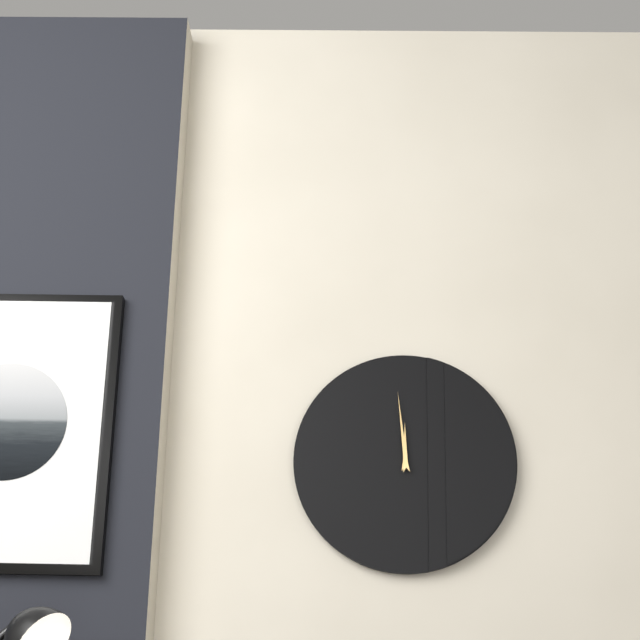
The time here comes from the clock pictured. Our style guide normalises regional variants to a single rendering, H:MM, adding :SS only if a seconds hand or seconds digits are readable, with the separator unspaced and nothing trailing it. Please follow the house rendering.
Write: 11:59
